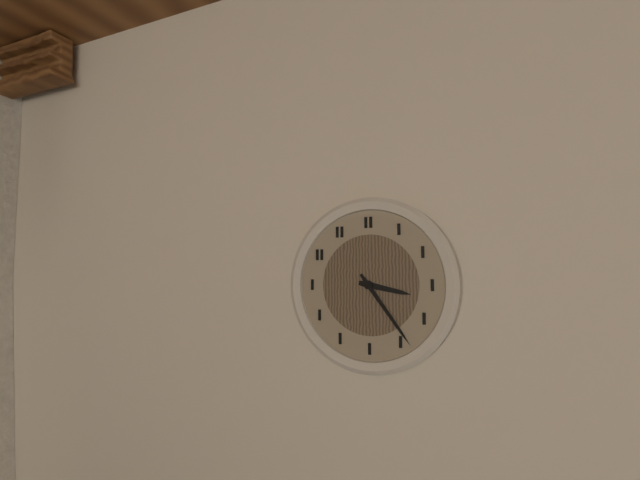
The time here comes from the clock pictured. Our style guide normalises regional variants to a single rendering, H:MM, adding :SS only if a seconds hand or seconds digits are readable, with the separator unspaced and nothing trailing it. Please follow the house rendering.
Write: 3:24
